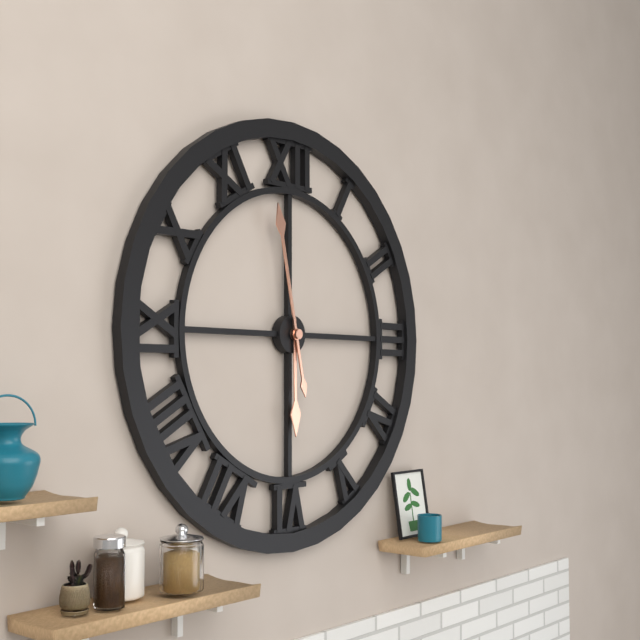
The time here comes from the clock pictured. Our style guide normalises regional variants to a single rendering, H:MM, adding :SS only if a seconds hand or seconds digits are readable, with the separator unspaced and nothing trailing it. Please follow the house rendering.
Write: 5:58
